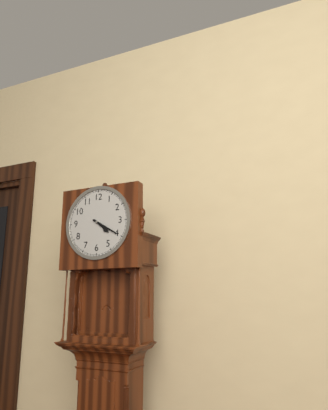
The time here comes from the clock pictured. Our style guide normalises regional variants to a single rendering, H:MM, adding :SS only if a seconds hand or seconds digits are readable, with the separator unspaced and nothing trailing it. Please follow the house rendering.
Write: 4:20
